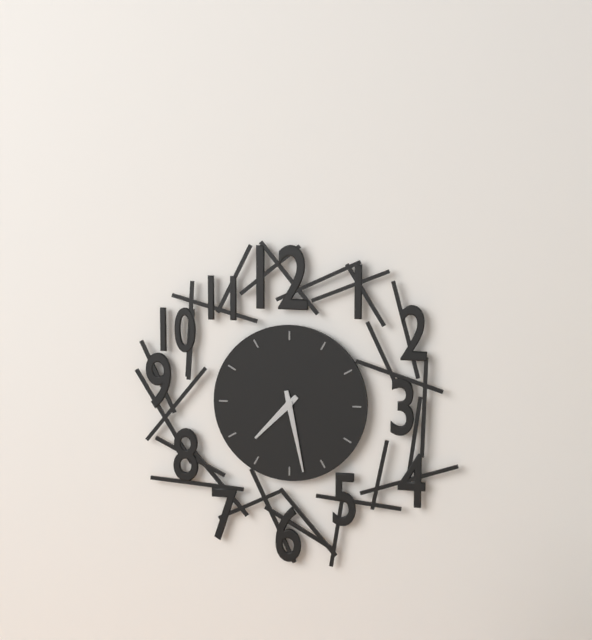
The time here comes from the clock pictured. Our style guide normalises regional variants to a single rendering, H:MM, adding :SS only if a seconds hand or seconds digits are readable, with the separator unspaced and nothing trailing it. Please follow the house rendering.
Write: 7:28
